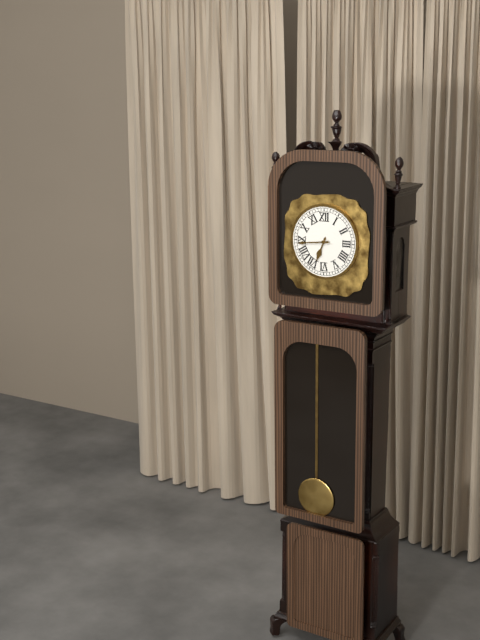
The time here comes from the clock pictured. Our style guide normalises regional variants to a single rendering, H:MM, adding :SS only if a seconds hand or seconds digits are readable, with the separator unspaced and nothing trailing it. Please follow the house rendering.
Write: 6:44
